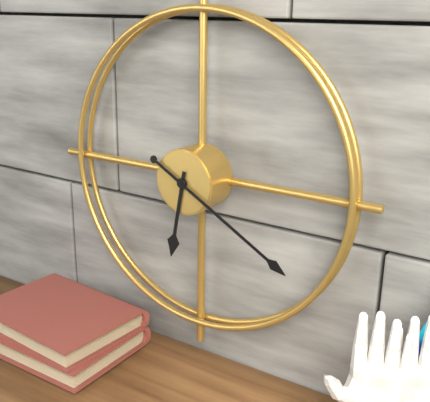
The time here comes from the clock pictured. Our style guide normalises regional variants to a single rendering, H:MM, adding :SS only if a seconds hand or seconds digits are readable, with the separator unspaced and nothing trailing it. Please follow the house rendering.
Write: 6:20
